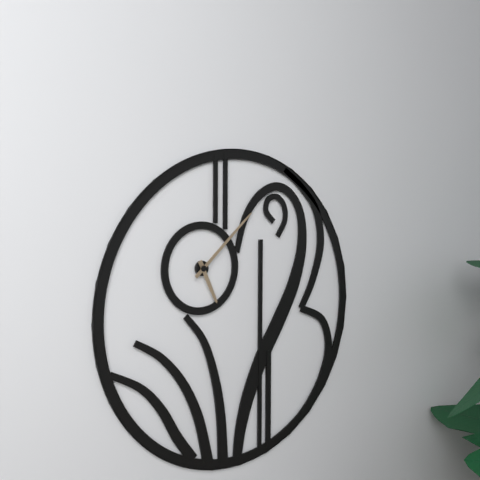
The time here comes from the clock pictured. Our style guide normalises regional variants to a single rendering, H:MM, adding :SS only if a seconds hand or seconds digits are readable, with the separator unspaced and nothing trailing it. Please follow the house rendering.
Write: 5:08
